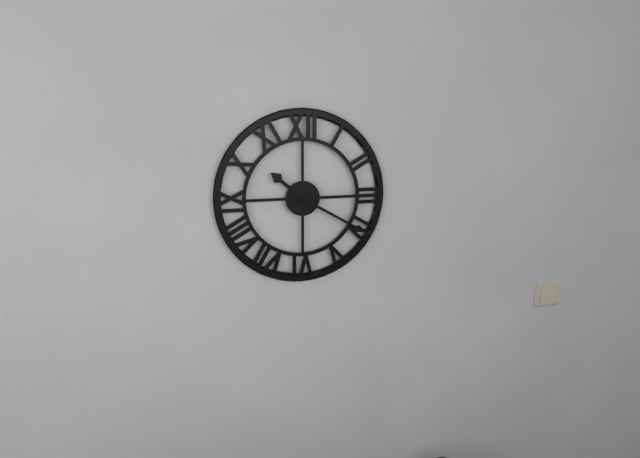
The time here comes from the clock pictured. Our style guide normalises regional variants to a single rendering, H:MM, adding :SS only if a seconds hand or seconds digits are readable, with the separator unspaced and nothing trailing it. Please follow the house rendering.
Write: 10:20
